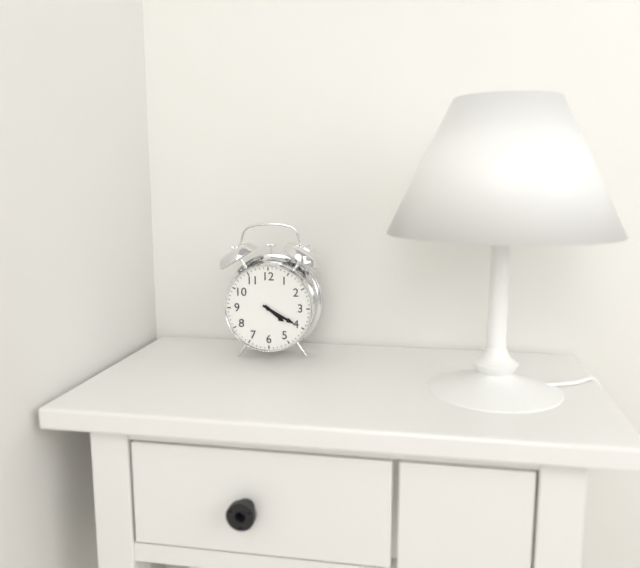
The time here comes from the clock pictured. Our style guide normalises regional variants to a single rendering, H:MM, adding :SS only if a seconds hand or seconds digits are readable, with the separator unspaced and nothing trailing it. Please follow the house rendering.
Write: 4:20
